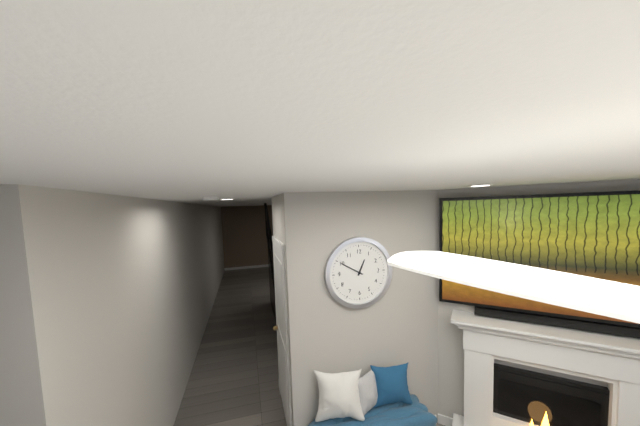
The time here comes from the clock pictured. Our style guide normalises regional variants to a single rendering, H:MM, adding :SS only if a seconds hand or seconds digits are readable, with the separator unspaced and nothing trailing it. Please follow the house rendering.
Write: 12:50
